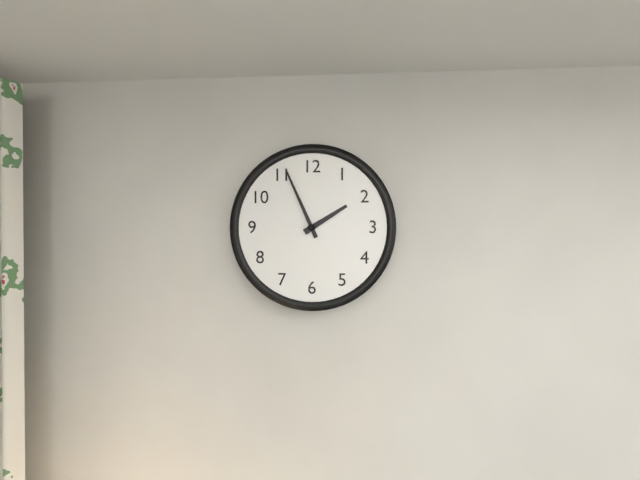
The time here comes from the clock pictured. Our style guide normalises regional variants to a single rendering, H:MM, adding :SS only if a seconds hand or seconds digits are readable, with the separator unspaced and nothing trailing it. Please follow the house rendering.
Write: 1:56
